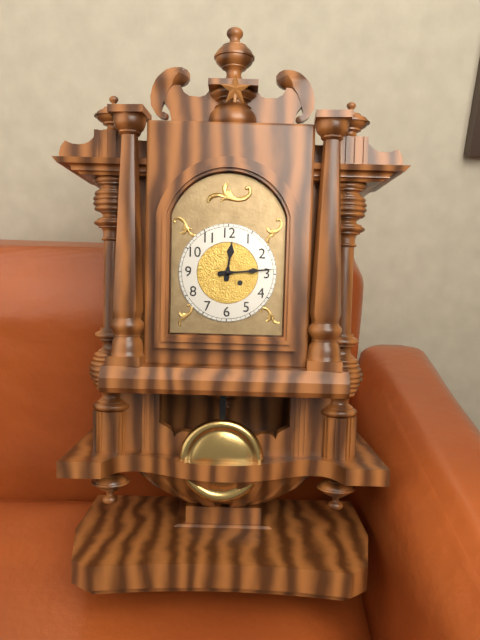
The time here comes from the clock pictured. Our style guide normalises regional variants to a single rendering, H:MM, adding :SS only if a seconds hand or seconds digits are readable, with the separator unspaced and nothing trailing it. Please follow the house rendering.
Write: 12:14
